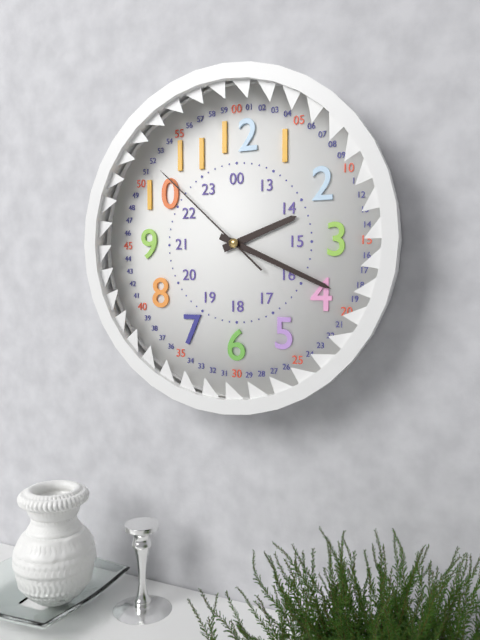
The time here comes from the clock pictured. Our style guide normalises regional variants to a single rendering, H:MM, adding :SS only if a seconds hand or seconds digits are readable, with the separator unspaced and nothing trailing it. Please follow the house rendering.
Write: 2:19:52
